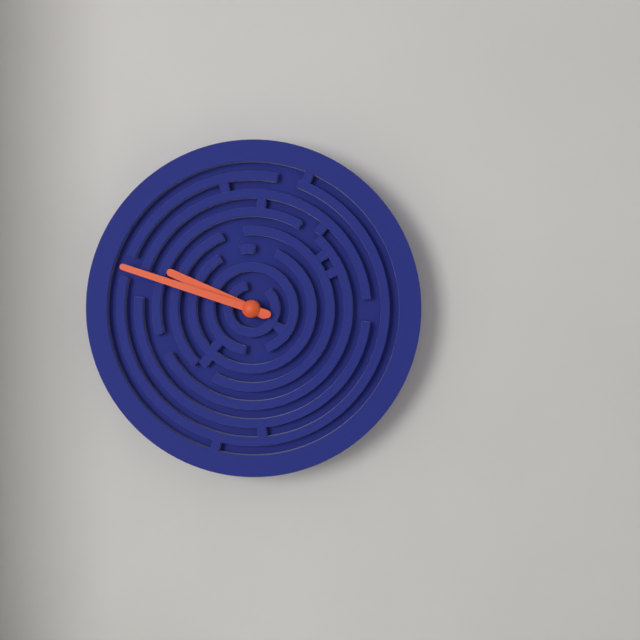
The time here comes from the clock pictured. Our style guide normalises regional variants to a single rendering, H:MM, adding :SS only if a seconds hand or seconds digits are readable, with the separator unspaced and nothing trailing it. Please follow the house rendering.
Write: 9:48
